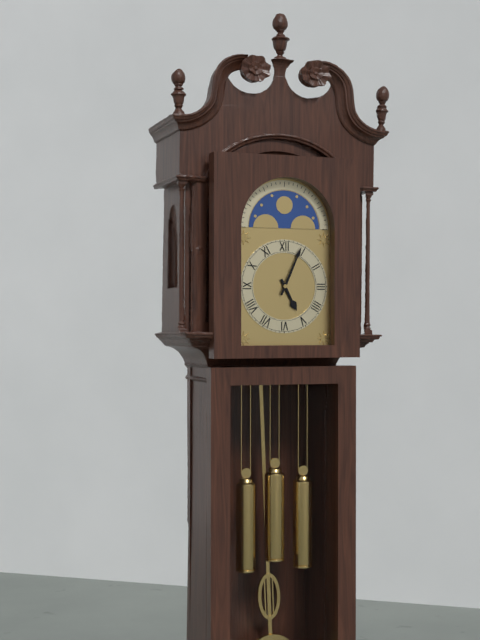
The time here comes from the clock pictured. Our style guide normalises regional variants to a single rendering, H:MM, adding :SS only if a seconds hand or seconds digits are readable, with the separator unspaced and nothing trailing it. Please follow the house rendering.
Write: 5:04
